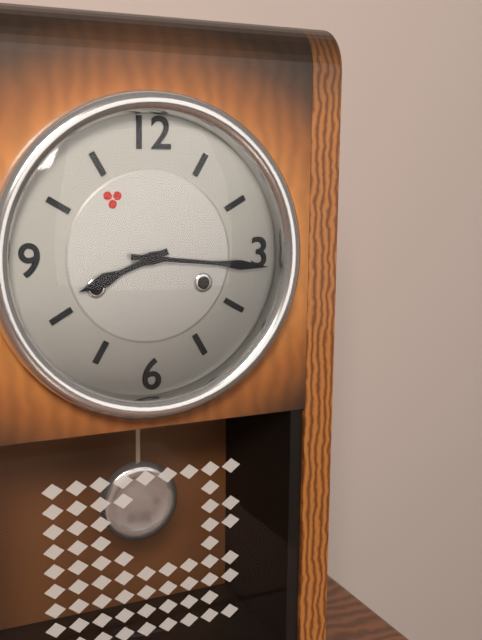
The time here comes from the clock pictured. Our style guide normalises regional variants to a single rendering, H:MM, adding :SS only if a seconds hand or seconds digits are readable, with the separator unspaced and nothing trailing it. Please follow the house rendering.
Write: 8:16
